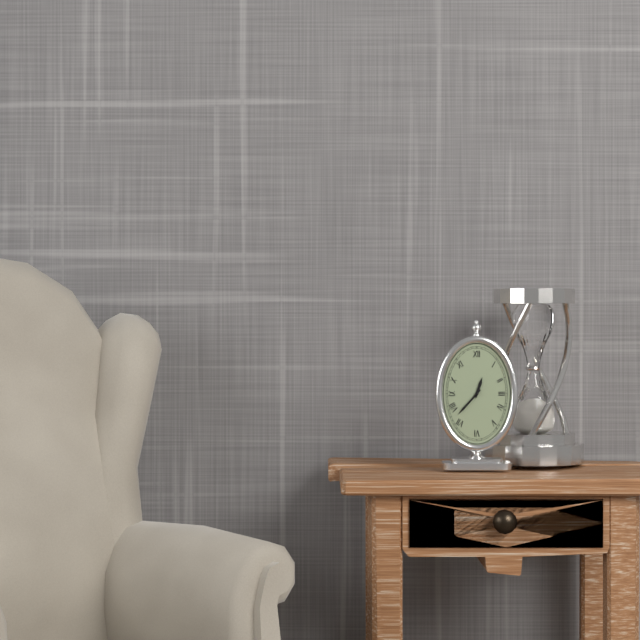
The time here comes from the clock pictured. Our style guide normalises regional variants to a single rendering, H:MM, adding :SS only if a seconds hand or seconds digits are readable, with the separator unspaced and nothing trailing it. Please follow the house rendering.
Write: 12:37
